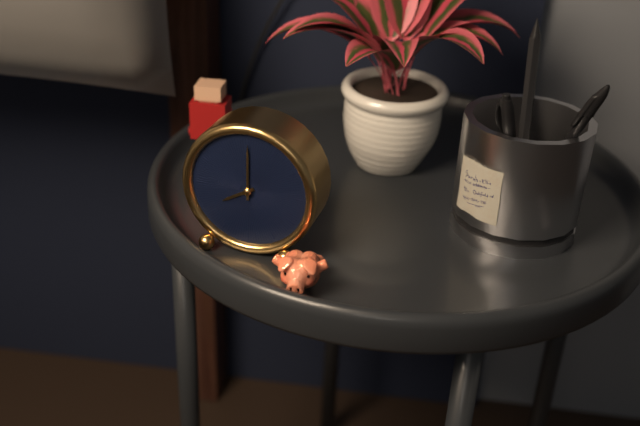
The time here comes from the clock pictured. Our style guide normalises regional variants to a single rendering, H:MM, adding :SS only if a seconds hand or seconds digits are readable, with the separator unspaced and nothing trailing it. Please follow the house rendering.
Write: 8:00
